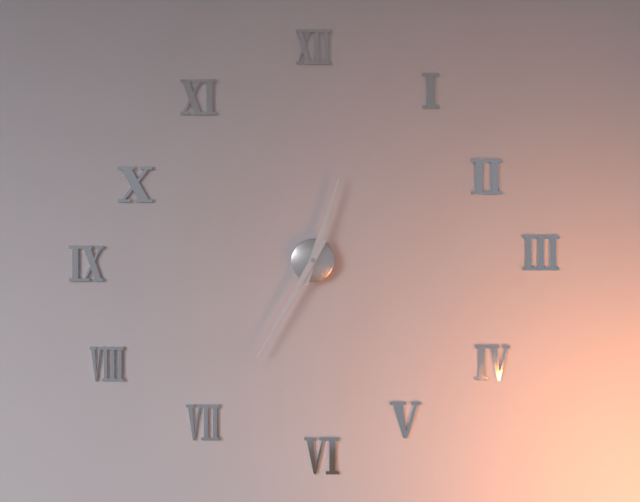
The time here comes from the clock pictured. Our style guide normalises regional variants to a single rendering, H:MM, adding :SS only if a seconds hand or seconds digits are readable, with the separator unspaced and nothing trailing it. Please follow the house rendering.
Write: 12:35
